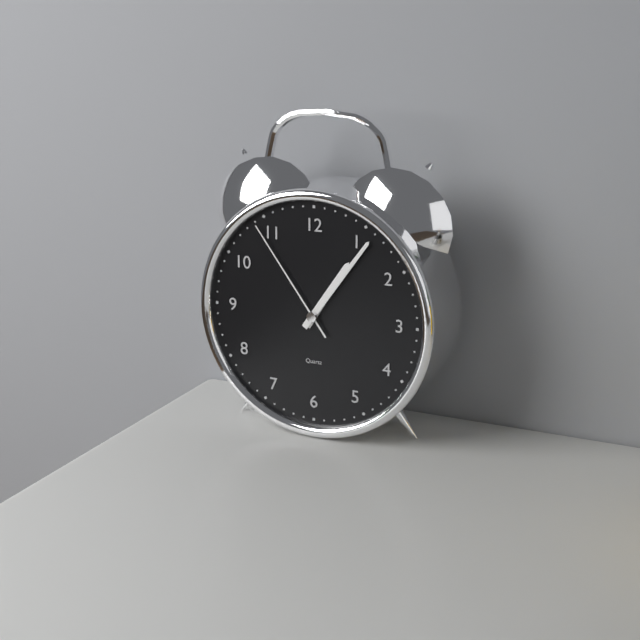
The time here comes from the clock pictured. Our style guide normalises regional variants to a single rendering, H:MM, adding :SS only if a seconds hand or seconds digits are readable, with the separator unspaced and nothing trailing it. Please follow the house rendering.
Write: 1:06:54
